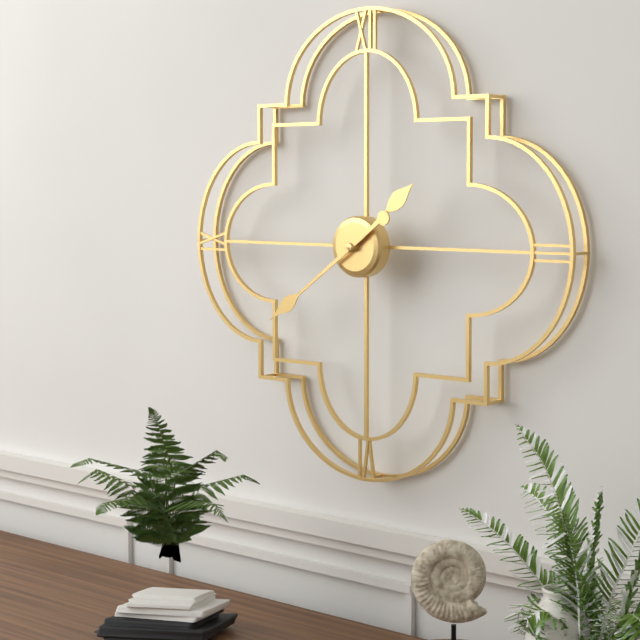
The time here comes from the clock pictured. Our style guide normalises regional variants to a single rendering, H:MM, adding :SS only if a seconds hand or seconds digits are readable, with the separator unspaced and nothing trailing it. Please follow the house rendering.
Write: 1:39
